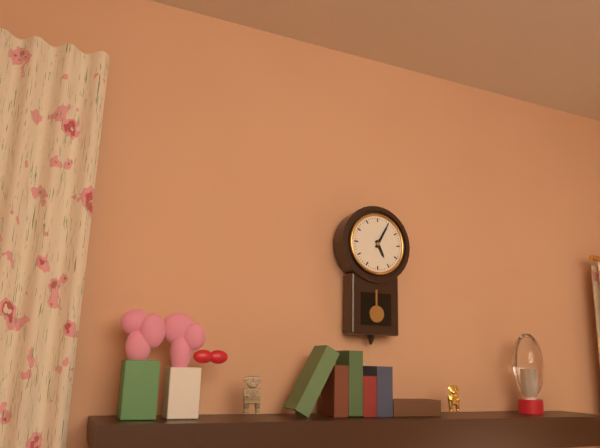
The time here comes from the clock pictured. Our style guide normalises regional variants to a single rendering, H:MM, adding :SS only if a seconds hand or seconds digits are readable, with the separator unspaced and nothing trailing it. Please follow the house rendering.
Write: 5:05
